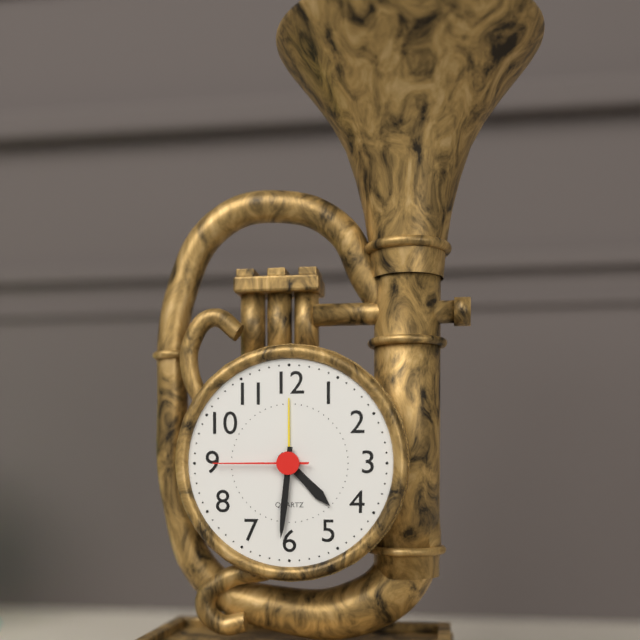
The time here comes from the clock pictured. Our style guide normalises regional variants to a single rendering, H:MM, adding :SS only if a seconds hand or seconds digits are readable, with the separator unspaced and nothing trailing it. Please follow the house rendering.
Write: 4:31:45
